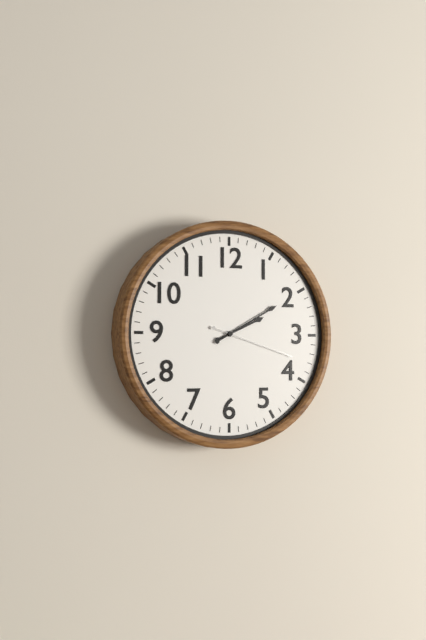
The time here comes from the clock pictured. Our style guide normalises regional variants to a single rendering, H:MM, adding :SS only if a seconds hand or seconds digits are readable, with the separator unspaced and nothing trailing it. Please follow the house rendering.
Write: 2:10:18
